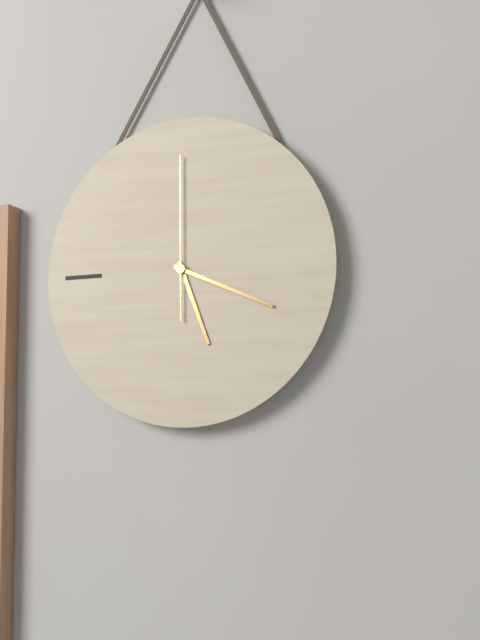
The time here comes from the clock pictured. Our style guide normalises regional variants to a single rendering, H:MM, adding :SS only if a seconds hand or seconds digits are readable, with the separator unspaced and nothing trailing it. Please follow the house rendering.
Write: 5:19:00
